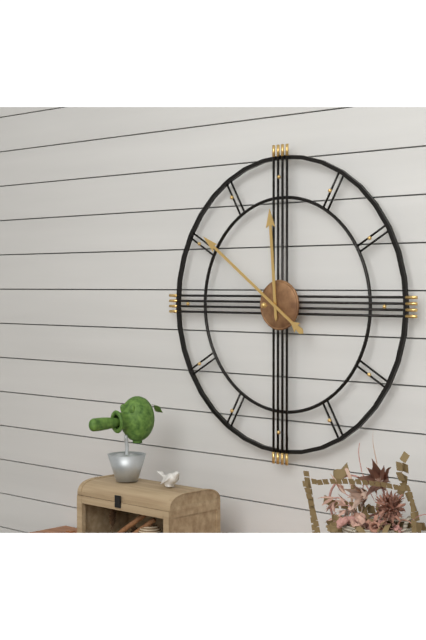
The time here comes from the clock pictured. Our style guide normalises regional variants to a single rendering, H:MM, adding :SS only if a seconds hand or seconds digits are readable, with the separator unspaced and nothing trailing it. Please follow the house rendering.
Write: 11:51
